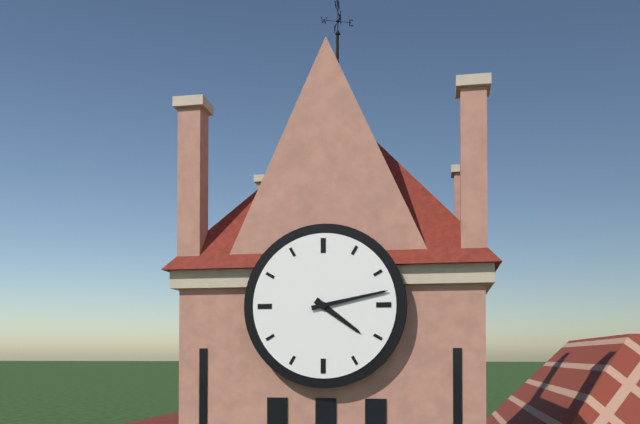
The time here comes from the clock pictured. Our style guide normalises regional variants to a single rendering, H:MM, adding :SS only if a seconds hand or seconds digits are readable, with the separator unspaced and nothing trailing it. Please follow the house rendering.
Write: 4:13
